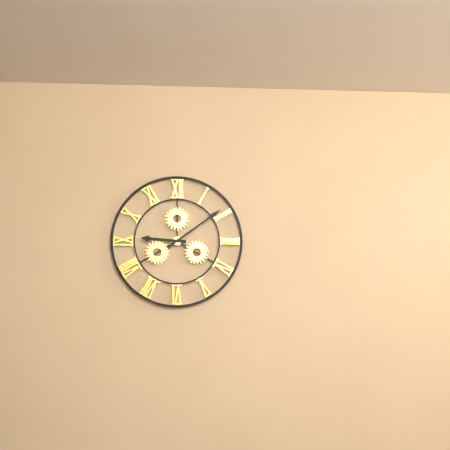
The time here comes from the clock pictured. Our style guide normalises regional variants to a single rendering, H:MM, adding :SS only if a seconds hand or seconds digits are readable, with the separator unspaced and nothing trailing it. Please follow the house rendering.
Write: 9:09
